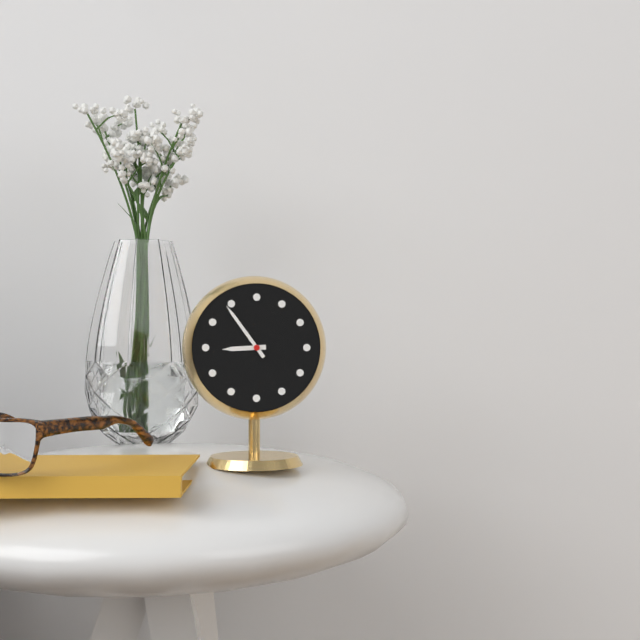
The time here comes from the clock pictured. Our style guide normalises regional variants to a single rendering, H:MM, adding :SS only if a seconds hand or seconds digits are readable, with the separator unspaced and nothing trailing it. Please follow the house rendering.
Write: 8:54
